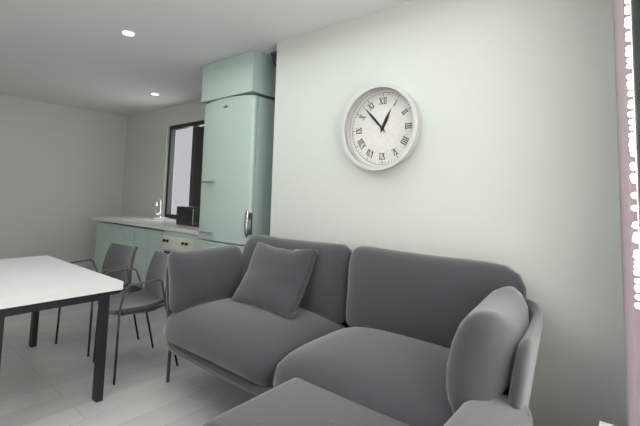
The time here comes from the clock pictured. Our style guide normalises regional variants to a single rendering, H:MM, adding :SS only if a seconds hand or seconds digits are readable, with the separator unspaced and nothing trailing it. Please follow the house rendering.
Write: 12:53
